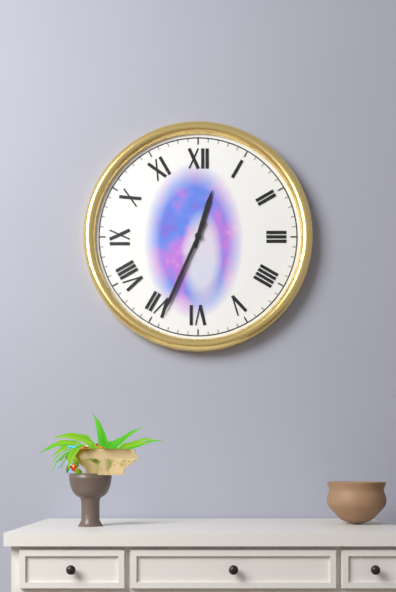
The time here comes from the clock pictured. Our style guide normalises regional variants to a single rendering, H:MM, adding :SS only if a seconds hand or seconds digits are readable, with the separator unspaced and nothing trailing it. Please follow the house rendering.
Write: 12:34
